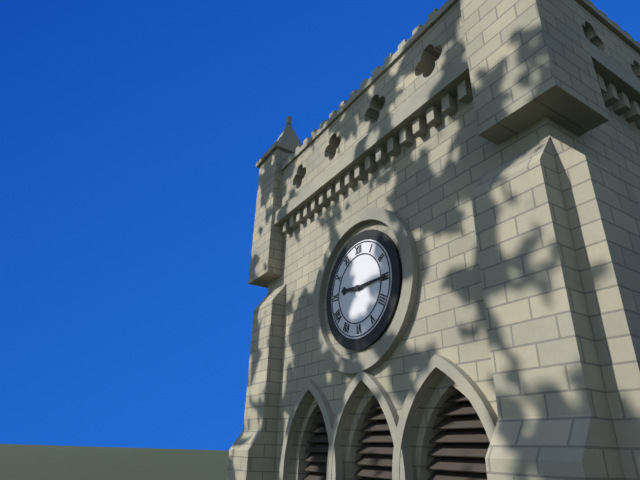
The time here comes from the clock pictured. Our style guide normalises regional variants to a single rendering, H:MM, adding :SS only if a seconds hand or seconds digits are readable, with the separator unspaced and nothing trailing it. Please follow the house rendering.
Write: 9:15
